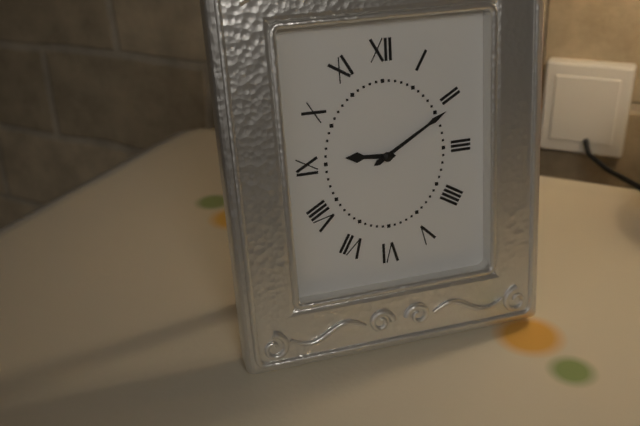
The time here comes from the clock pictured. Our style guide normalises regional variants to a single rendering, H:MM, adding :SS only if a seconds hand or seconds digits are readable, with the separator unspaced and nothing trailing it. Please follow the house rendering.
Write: 9:10
